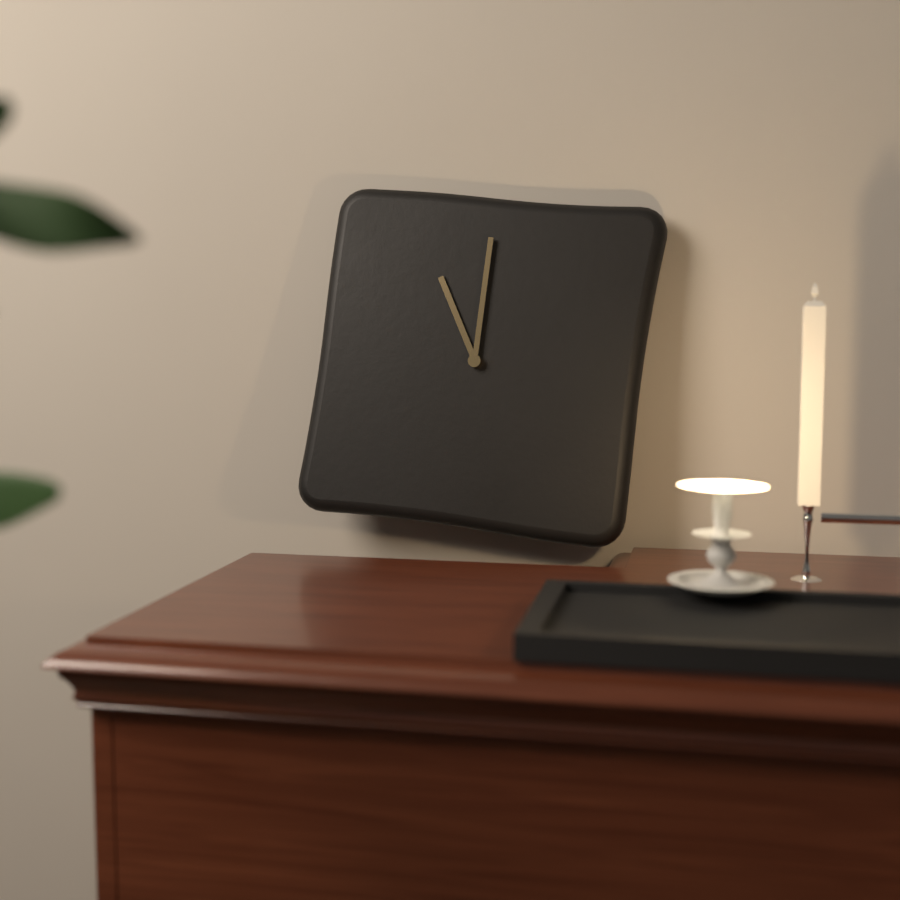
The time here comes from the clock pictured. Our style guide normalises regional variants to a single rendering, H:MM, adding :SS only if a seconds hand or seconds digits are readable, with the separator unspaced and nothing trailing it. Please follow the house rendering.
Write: 11:00
